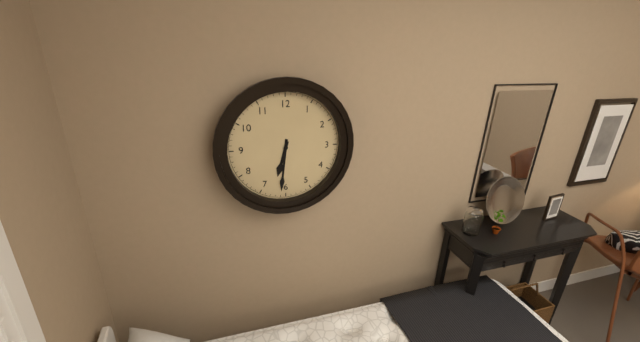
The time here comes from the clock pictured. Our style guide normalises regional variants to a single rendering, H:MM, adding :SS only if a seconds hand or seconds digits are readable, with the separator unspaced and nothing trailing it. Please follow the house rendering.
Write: 6:31
